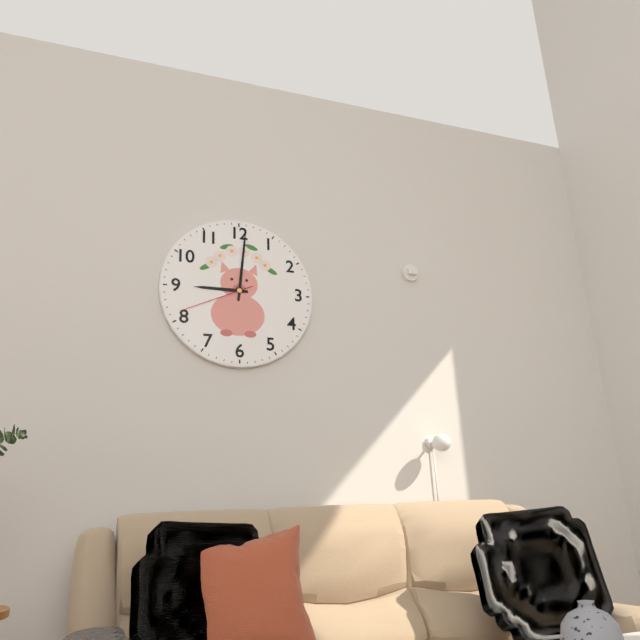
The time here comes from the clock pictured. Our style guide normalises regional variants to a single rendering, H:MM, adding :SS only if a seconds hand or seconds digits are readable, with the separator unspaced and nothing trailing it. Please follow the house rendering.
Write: 9:01:41
